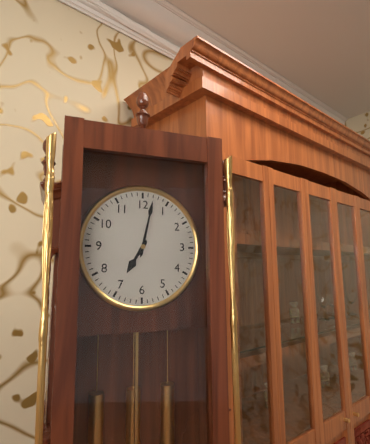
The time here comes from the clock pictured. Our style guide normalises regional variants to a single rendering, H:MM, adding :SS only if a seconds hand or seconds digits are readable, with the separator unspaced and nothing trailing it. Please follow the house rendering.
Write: 7:02
